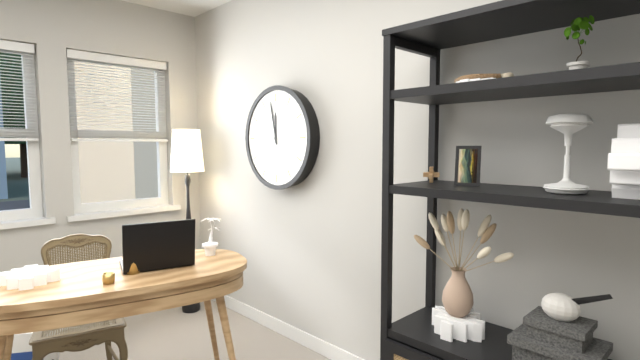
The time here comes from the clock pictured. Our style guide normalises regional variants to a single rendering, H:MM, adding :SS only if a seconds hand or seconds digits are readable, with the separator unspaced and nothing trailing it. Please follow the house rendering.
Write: 11:58
